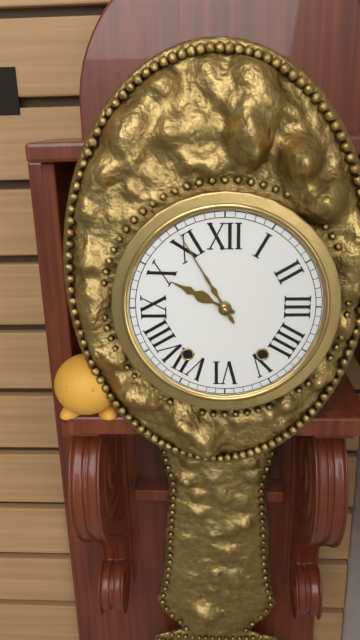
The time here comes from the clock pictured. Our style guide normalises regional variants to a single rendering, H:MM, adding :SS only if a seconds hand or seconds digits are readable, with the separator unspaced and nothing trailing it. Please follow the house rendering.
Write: 9:55
